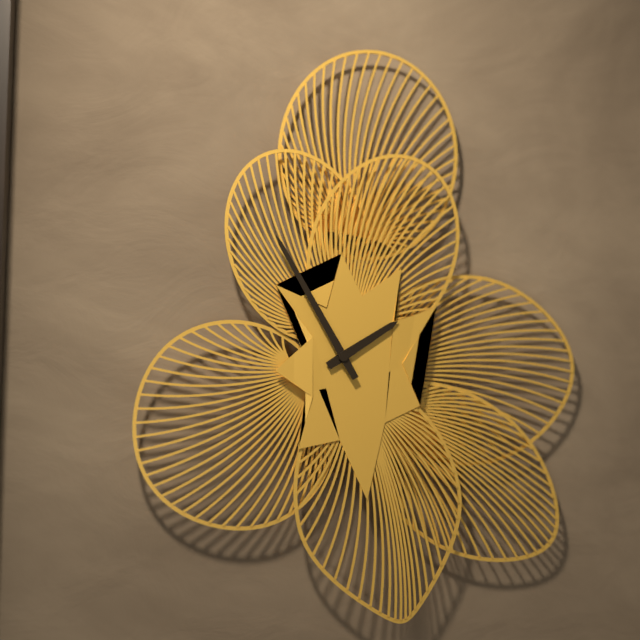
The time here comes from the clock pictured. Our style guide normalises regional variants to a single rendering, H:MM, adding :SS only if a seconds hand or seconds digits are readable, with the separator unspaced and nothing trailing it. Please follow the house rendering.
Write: 1:55
